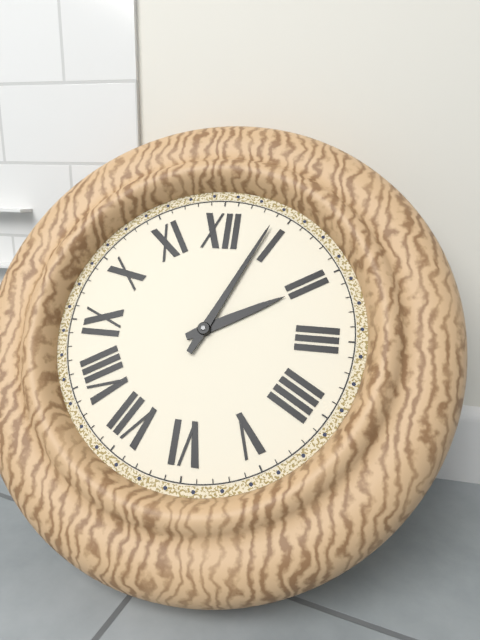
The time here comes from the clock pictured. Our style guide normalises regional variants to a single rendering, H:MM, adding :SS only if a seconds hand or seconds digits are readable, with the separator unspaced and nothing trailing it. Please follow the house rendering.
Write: 2:04
